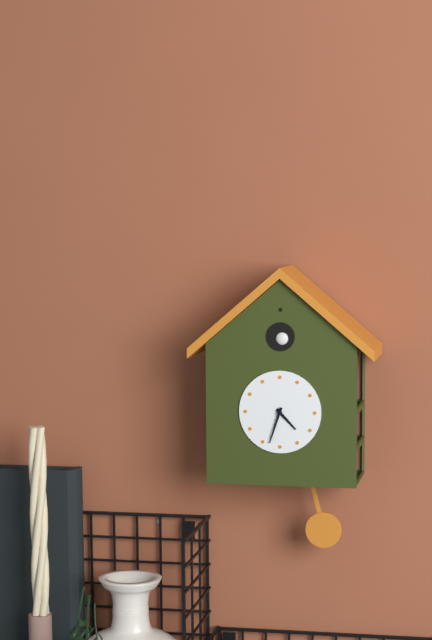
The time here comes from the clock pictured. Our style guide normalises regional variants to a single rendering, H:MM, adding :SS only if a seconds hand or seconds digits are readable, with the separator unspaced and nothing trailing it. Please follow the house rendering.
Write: 4:33
